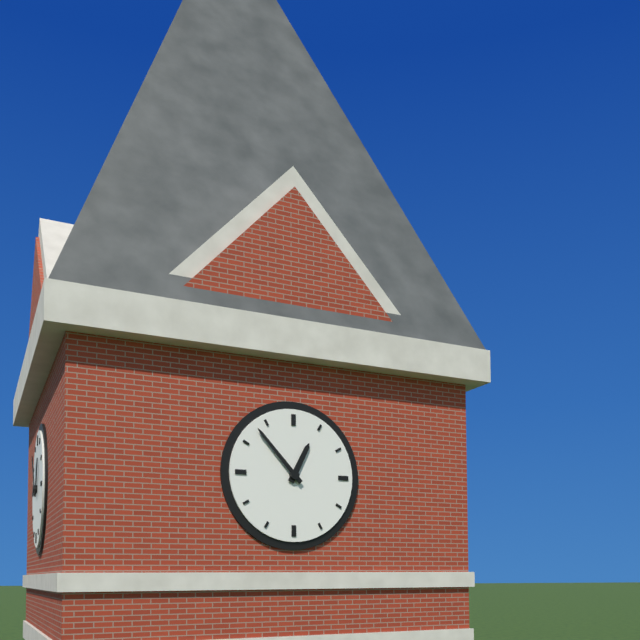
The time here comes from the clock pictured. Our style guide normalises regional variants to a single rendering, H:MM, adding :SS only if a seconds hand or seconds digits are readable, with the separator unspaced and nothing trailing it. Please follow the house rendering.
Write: 12:53
